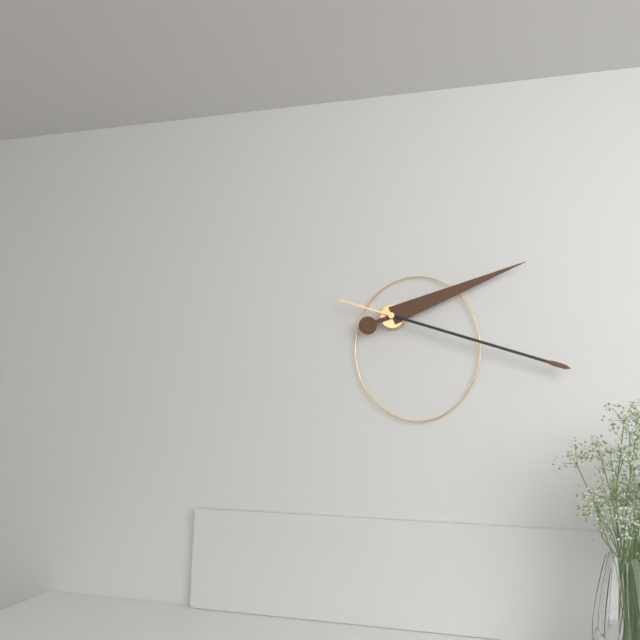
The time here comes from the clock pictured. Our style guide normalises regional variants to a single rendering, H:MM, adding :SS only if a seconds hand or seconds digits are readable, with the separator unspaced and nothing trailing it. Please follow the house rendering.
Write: 2:18
